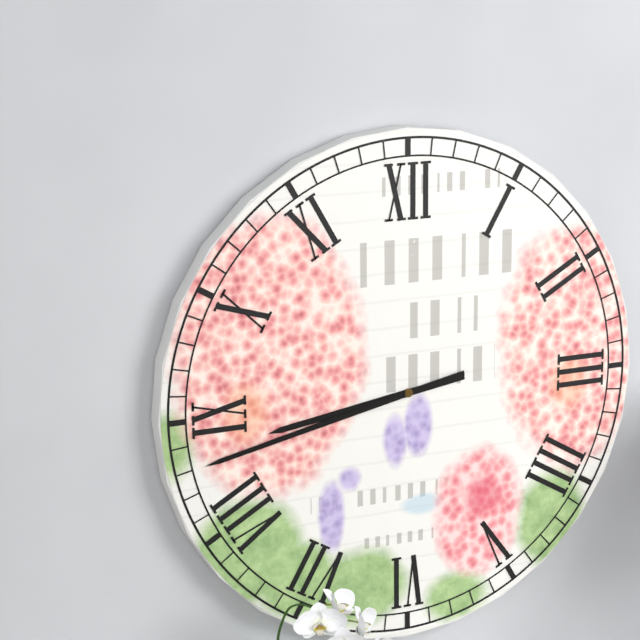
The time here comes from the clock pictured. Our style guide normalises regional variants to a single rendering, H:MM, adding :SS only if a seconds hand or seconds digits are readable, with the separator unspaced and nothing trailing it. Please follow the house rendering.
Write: 8:43
